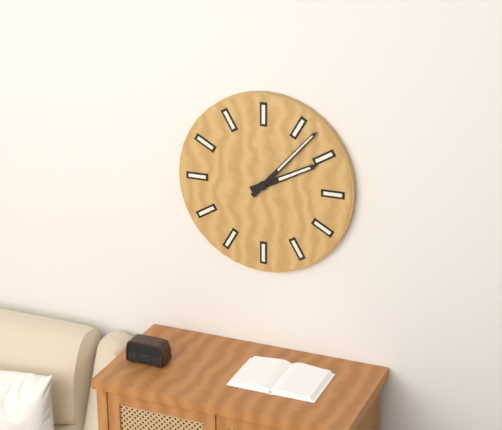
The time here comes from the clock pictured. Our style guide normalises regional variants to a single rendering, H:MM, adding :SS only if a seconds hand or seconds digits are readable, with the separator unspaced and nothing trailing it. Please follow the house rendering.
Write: 2:07
